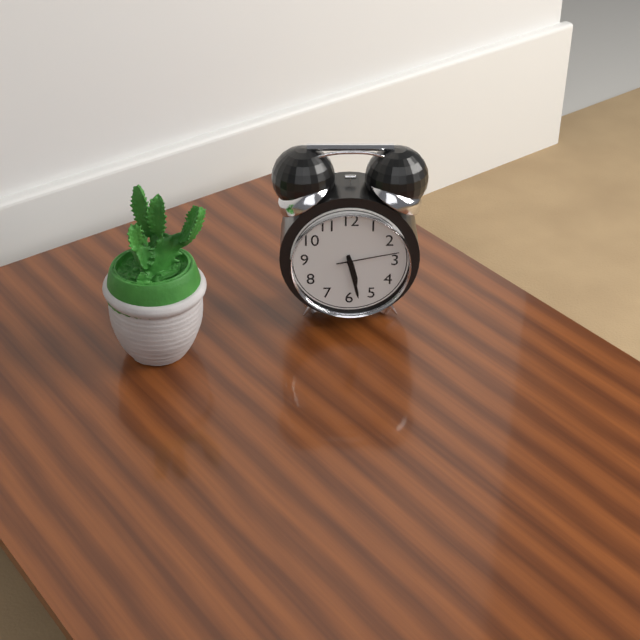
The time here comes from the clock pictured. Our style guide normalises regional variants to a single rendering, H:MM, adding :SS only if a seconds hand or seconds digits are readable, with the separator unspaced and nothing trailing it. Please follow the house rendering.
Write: 5:28:13
